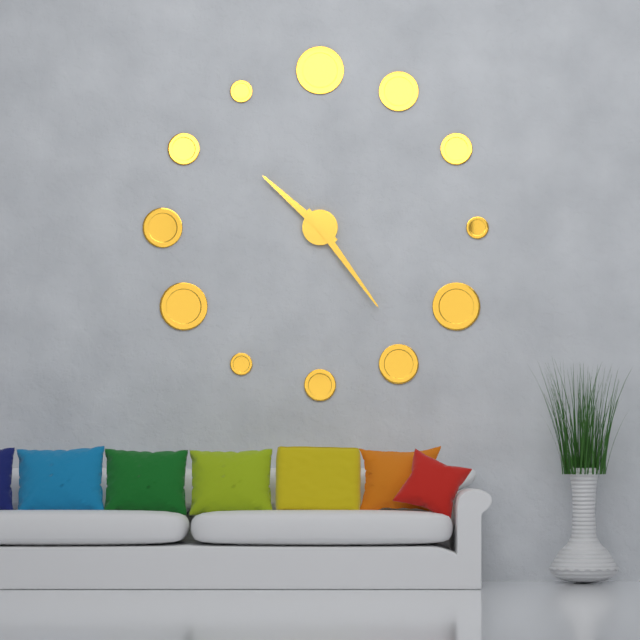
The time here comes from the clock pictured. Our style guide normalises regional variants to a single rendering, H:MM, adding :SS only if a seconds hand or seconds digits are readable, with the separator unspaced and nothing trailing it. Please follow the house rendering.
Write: 10:24
